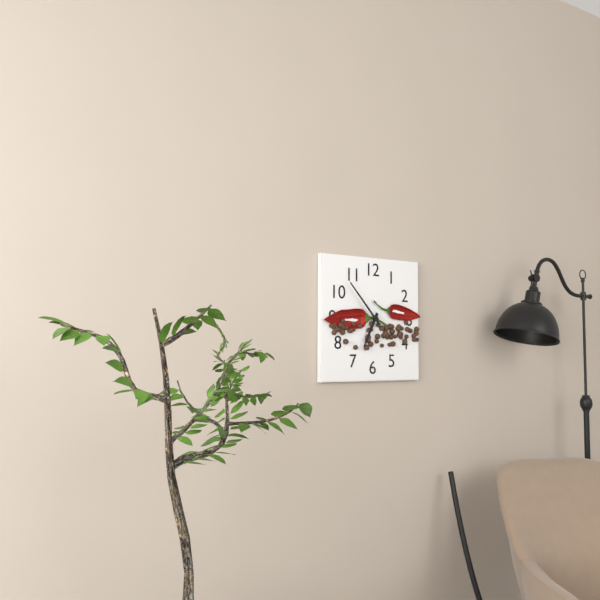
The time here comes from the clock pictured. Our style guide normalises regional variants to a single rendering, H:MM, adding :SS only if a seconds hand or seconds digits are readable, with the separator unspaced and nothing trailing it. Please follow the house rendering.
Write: 6:53
